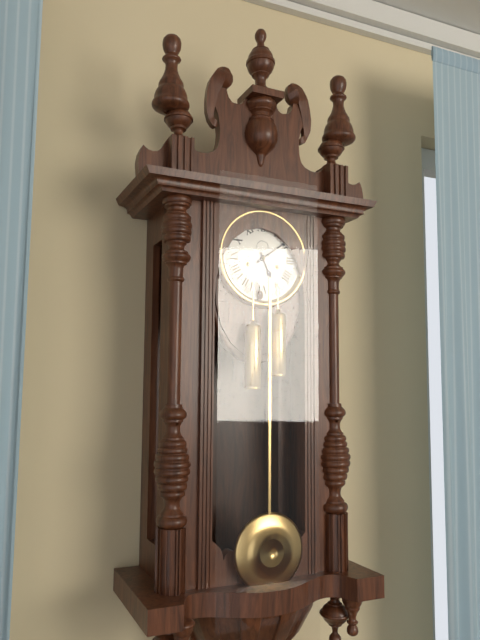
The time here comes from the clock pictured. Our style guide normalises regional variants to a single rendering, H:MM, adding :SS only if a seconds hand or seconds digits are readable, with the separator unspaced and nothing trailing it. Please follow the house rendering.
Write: 5:09
